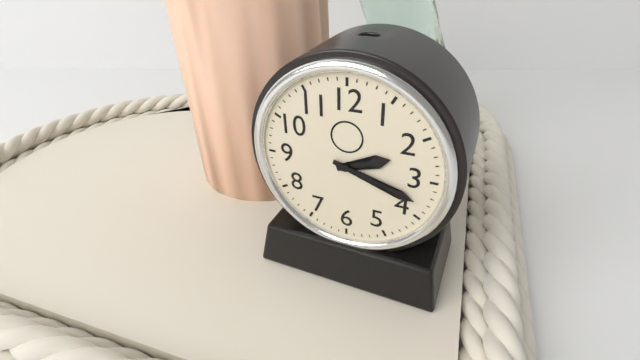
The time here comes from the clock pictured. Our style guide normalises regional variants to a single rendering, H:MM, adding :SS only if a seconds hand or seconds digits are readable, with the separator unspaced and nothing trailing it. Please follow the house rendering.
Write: 2:18
